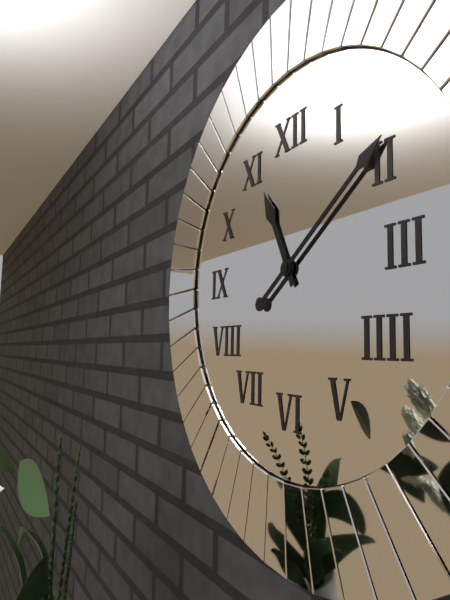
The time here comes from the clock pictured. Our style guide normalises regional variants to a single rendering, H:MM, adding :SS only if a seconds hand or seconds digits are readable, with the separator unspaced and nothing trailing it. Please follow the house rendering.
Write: 11:09
